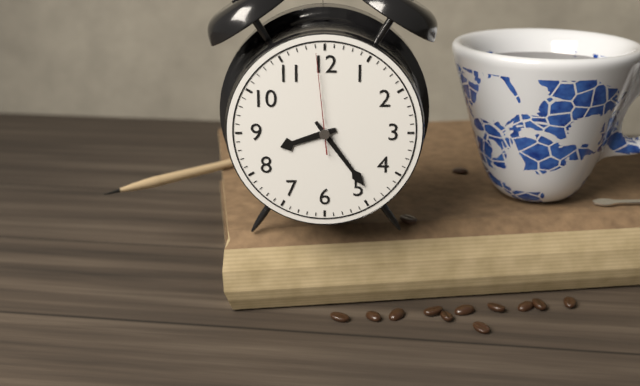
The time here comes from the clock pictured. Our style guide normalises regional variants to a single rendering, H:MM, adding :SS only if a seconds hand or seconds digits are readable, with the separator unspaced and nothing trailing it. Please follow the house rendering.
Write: 8:24:59
